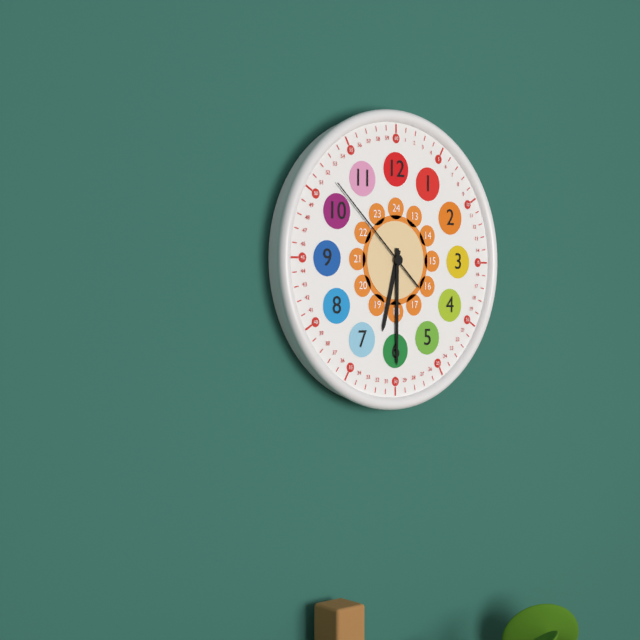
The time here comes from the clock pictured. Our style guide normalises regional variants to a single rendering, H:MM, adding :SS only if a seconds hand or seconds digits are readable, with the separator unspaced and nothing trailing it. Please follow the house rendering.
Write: 6:30:52
